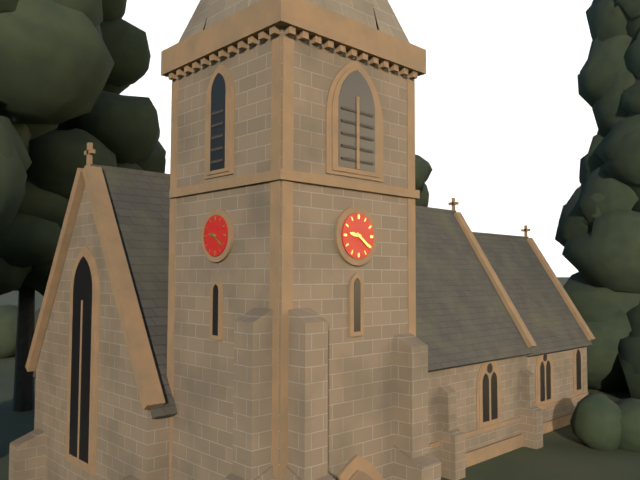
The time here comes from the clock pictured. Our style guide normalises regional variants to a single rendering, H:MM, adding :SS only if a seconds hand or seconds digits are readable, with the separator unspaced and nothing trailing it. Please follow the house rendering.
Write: 9:21
